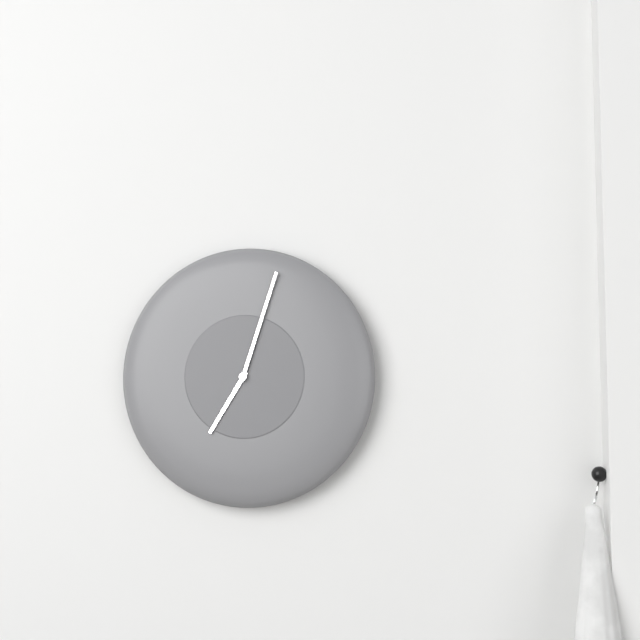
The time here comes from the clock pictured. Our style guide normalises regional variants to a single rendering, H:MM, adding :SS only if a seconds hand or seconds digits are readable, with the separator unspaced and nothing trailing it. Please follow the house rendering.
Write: 7:03
